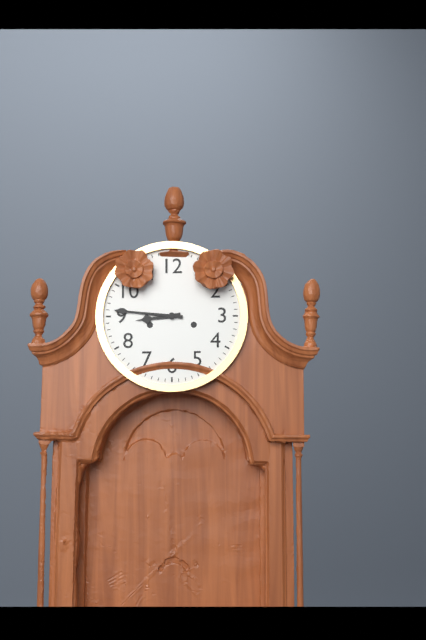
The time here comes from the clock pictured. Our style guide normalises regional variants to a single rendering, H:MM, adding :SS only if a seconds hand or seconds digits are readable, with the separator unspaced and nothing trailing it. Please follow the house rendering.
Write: 8:46
